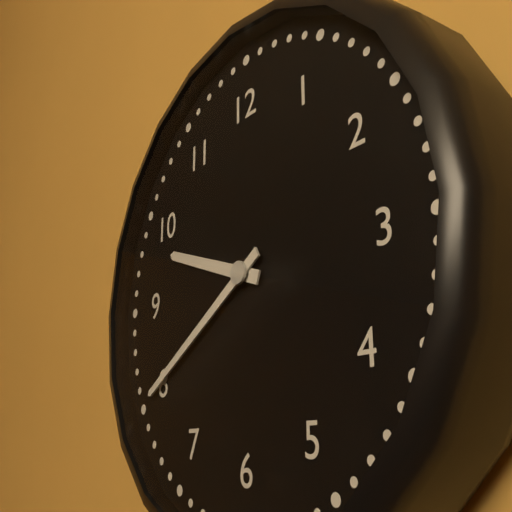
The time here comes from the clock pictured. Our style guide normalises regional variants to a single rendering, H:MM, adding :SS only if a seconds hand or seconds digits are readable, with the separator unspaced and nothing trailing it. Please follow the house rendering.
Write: 9:40
